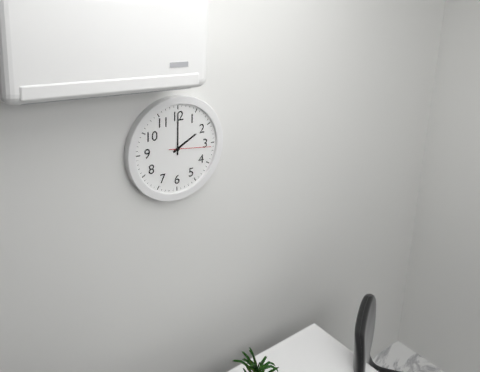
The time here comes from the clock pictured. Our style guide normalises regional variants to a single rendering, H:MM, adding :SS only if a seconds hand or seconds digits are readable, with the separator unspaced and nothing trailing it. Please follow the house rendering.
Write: 2:00
